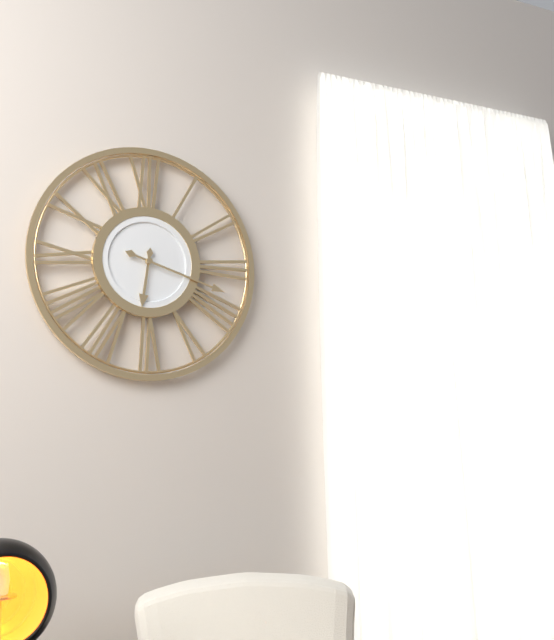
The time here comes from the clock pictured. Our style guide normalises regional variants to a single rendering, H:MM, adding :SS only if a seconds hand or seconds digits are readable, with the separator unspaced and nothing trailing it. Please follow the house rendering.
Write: 6:18
